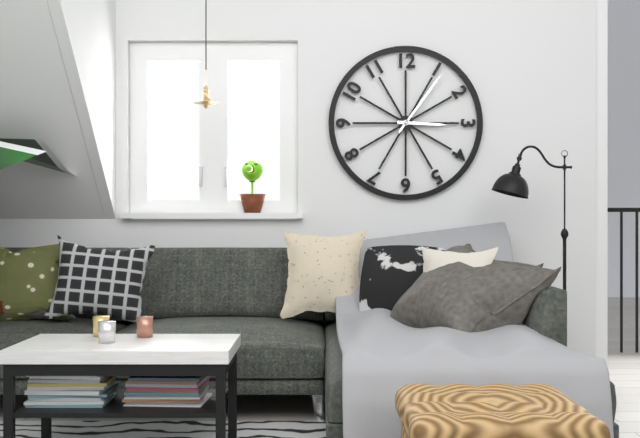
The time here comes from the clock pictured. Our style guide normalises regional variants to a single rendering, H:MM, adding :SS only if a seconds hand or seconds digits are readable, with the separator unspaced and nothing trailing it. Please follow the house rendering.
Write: 3:06
